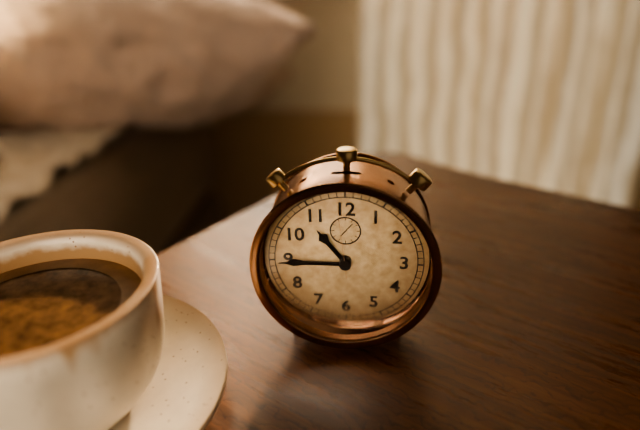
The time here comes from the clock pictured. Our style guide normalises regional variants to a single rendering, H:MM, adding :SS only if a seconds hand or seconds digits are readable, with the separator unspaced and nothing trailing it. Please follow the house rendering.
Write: 10:45:59
